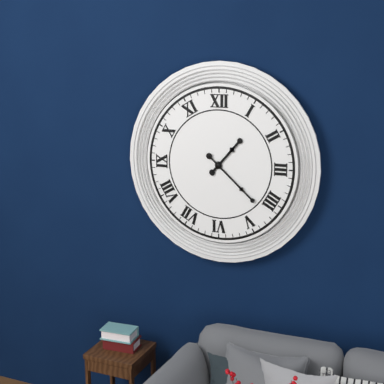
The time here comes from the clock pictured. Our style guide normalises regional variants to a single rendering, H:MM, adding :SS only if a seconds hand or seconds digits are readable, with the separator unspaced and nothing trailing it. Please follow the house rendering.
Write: 1:22
